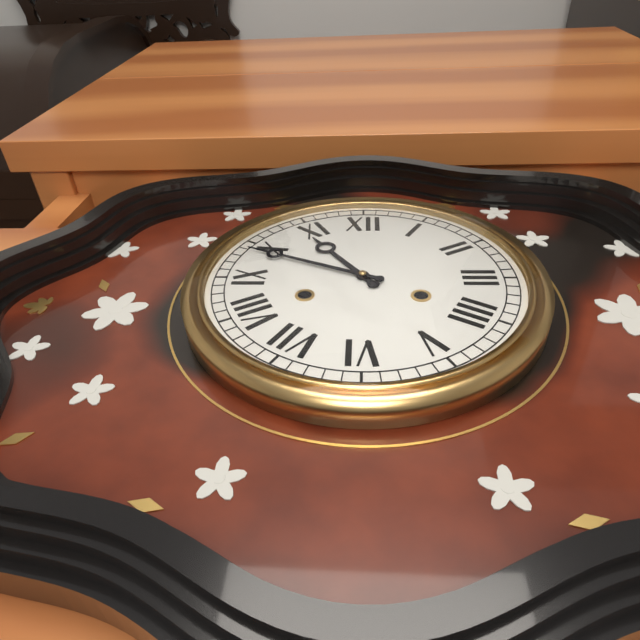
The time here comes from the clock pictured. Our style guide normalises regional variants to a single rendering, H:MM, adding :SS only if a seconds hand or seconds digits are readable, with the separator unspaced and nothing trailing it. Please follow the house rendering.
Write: 10:49
